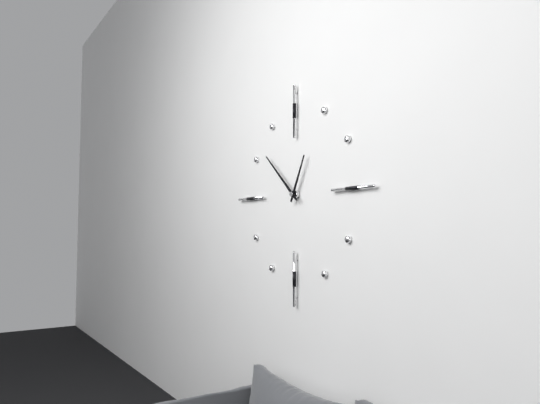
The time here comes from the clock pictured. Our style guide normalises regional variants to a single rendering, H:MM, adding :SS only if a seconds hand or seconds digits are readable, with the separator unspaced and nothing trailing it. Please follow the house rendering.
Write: 12:52
